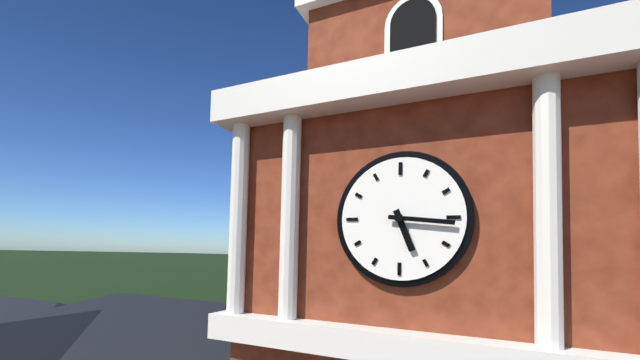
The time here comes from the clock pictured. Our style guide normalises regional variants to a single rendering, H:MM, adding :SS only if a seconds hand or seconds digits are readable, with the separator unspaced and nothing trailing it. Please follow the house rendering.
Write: 5:16
